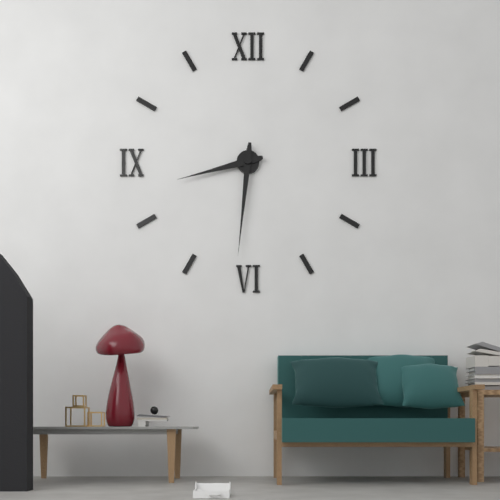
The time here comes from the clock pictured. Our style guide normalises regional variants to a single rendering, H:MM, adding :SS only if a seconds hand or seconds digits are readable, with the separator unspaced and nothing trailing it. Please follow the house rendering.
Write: 8:31
